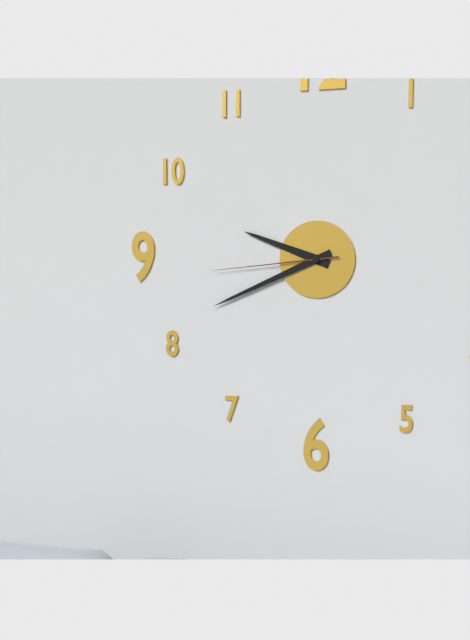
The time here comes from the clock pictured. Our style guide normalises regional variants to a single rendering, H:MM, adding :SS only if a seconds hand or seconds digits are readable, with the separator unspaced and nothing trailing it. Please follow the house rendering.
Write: 9:41:44
